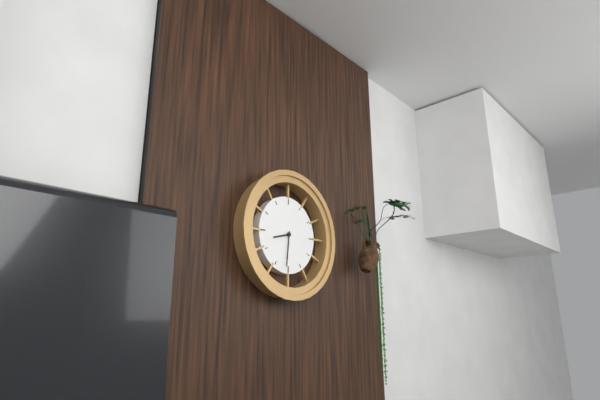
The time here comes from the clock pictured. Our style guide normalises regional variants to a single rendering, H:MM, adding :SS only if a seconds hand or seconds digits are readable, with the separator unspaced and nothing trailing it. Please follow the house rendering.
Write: 8:31
